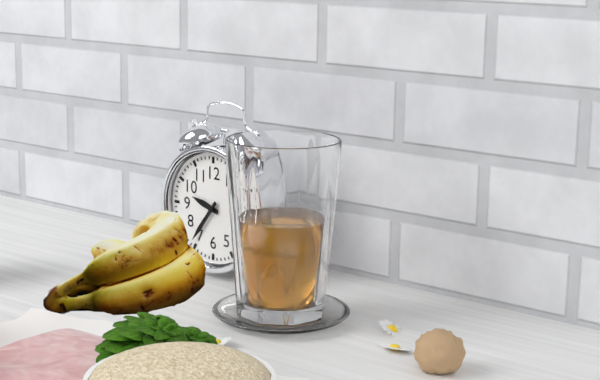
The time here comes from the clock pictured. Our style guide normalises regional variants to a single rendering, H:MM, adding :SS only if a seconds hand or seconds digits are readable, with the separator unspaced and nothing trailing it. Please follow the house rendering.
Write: 9:36
